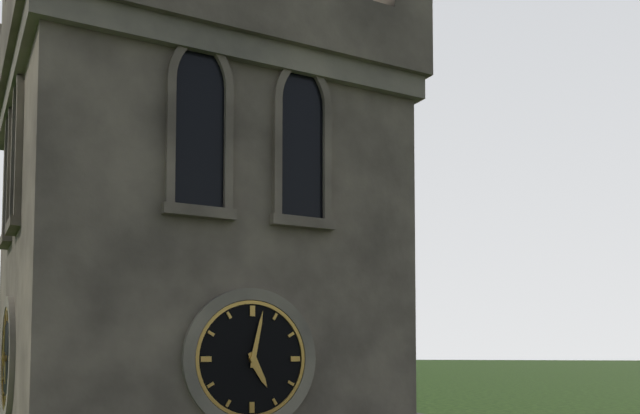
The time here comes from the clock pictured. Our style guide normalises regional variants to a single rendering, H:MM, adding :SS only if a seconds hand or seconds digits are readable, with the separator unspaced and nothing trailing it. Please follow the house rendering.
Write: 5:02
